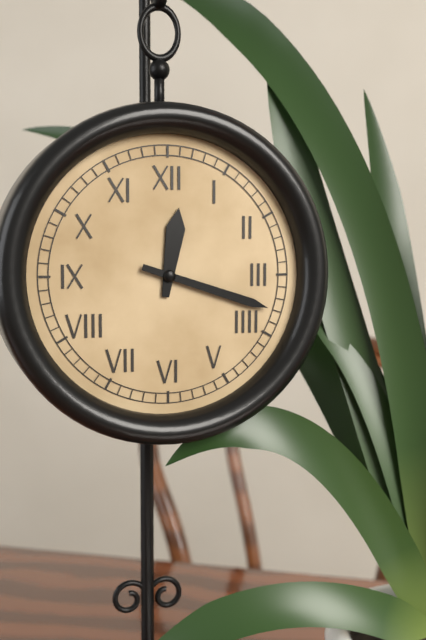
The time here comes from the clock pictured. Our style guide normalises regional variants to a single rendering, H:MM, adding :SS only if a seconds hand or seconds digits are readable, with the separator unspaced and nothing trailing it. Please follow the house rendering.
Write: 12:18
